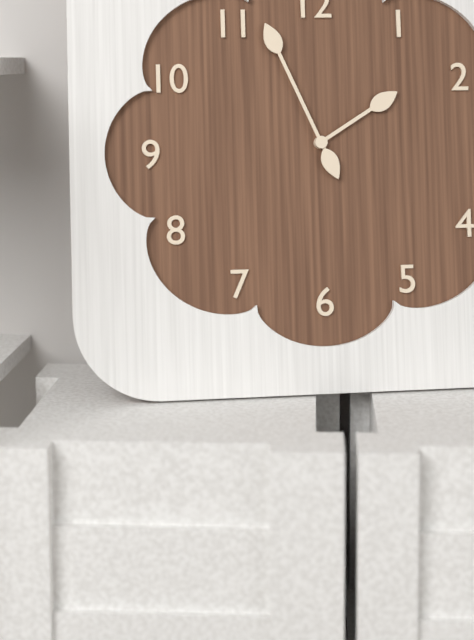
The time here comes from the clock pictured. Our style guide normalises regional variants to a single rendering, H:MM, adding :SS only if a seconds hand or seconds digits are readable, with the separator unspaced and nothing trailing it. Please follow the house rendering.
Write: 1:56
